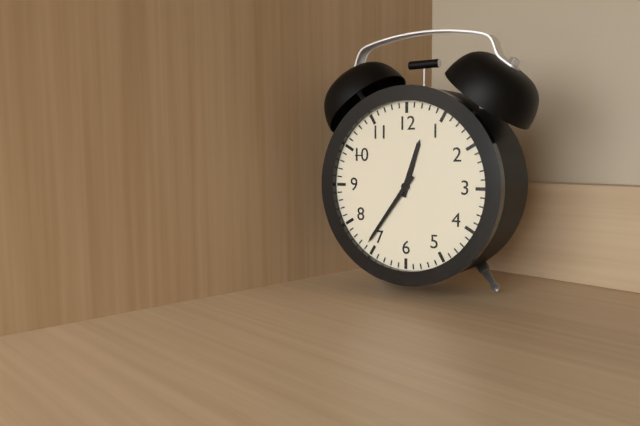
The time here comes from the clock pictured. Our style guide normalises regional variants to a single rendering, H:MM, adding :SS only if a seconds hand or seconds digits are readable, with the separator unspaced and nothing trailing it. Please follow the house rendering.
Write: 12:36
